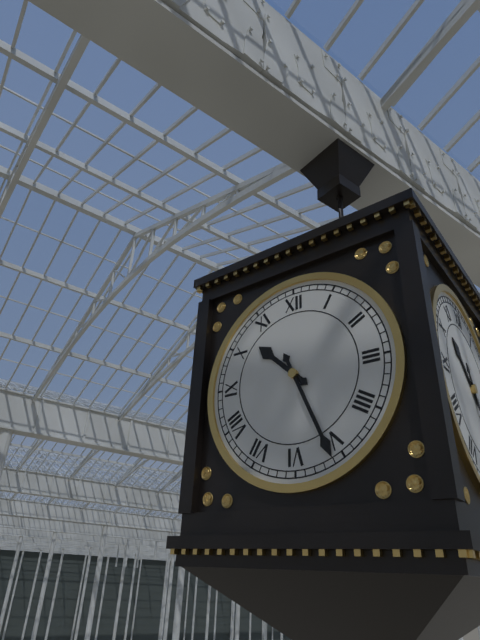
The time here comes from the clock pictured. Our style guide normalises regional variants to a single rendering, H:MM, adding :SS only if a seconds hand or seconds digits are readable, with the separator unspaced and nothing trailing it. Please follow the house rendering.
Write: 10:26
